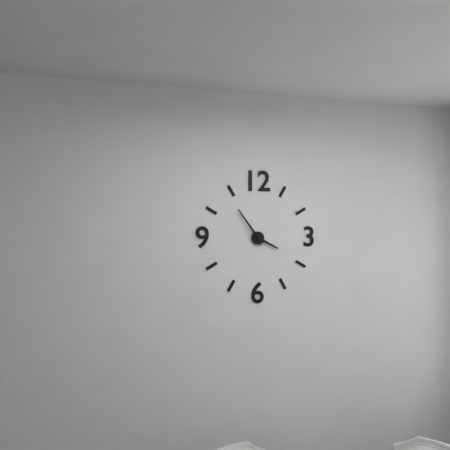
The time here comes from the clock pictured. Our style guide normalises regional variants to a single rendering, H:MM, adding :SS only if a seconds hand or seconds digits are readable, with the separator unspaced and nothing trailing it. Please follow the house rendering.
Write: 3:54
